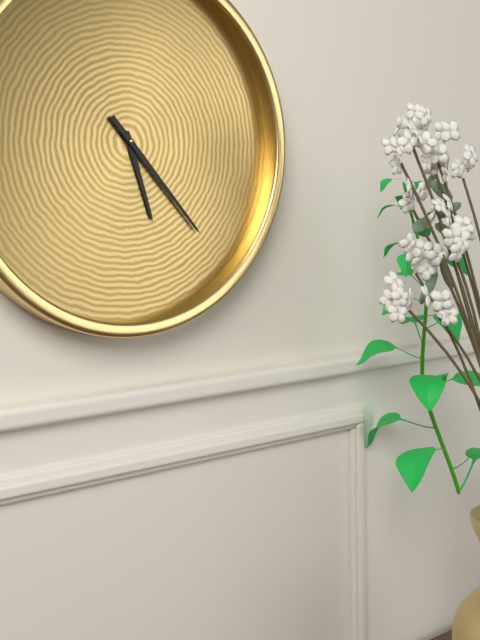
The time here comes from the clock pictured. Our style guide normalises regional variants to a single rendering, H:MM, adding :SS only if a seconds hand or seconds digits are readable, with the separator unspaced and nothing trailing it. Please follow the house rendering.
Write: 5:23
